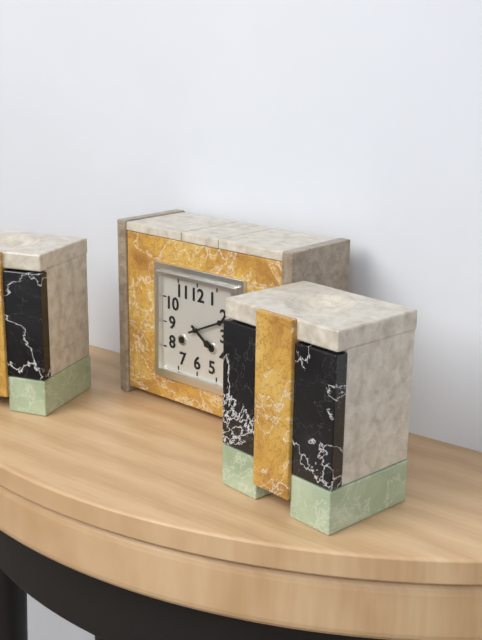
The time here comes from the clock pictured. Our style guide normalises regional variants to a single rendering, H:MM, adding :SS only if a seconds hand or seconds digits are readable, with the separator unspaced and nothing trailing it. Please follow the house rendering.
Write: 4:11
